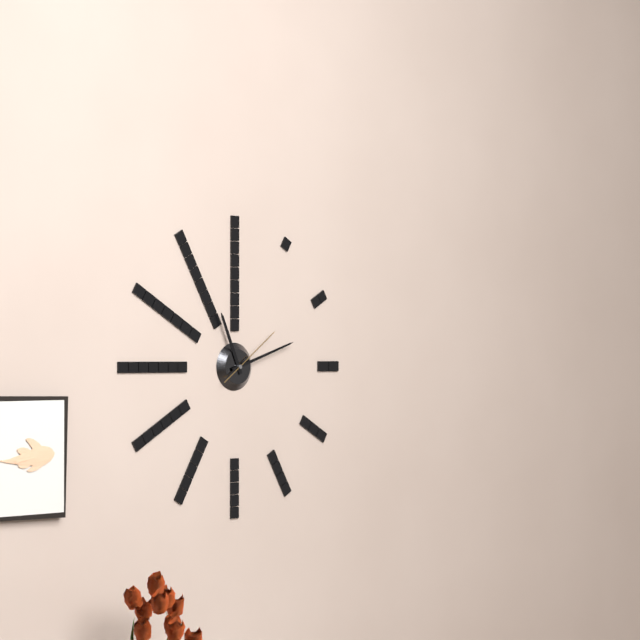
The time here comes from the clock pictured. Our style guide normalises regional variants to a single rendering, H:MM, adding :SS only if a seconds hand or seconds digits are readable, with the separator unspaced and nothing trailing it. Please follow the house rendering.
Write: 11:12:09
